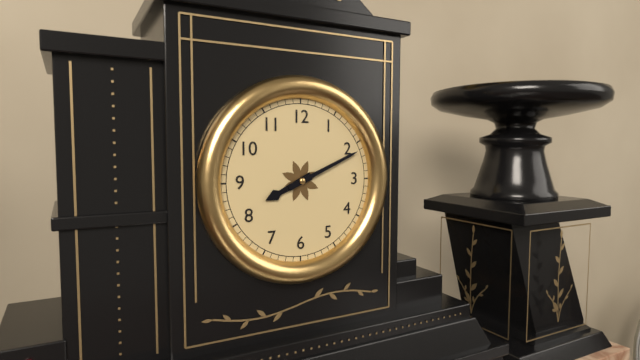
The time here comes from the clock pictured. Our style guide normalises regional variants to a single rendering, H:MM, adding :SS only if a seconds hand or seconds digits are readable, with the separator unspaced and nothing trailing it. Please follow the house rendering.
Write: 8:11
